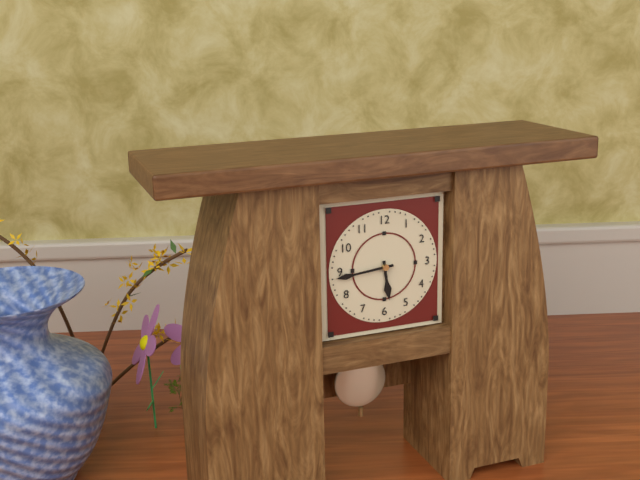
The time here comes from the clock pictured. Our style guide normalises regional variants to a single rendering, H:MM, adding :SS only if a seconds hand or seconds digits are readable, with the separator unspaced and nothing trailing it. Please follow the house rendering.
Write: 5:44
